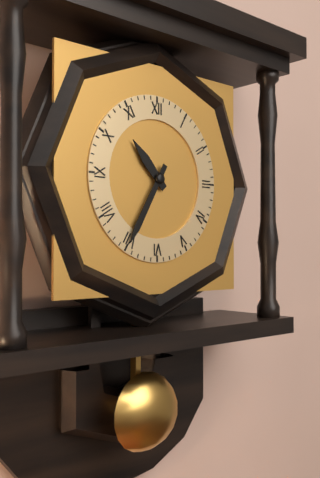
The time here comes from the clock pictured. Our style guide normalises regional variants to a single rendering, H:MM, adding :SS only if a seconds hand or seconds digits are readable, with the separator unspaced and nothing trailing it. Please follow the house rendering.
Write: 10:35
